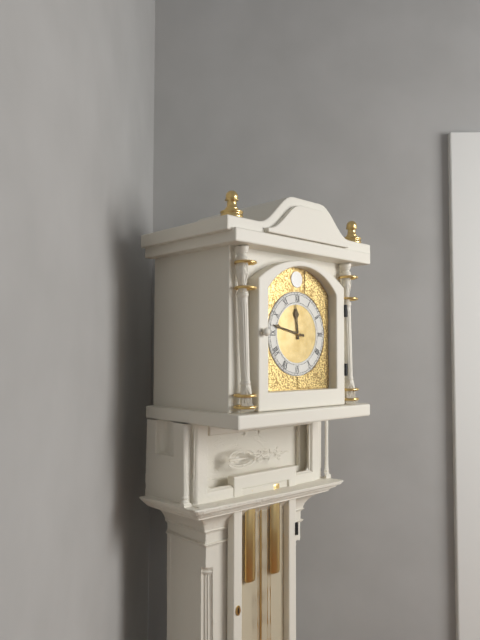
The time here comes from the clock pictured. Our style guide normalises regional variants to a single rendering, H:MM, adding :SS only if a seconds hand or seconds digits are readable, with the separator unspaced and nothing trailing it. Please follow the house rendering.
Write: 11:47
